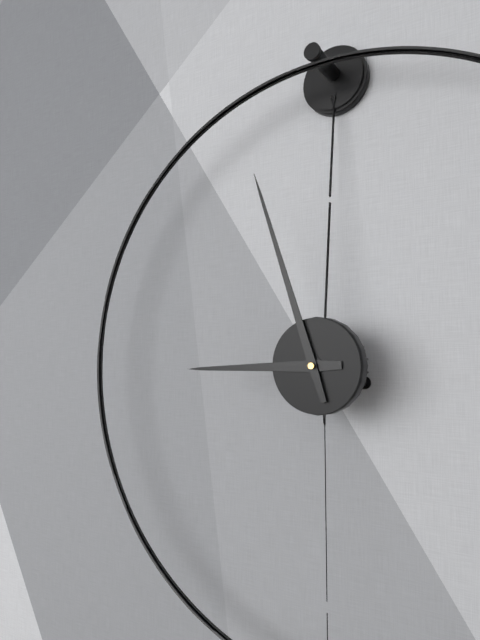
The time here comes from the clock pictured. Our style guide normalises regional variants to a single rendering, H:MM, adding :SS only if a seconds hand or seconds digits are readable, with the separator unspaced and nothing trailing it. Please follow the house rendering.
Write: 8:57
